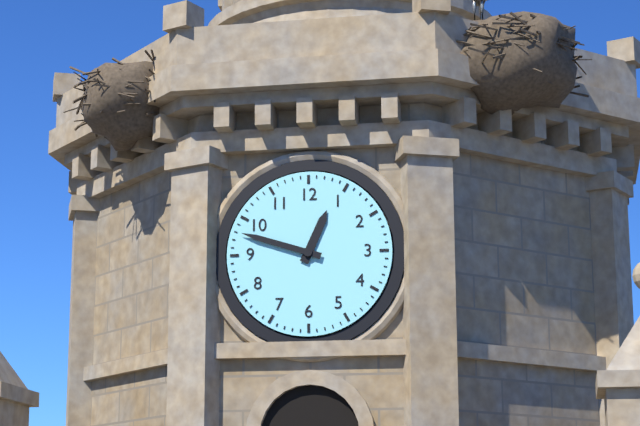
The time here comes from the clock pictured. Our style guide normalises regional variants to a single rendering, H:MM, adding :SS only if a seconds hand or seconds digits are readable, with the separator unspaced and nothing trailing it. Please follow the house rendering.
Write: 12:48
